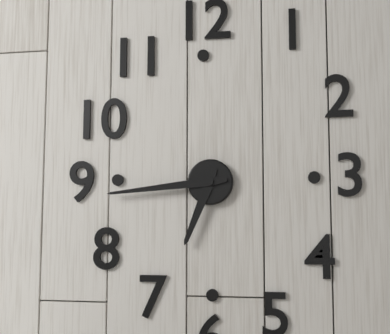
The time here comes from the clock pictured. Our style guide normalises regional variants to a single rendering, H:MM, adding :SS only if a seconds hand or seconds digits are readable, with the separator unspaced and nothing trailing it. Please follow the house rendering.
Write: 6:44
